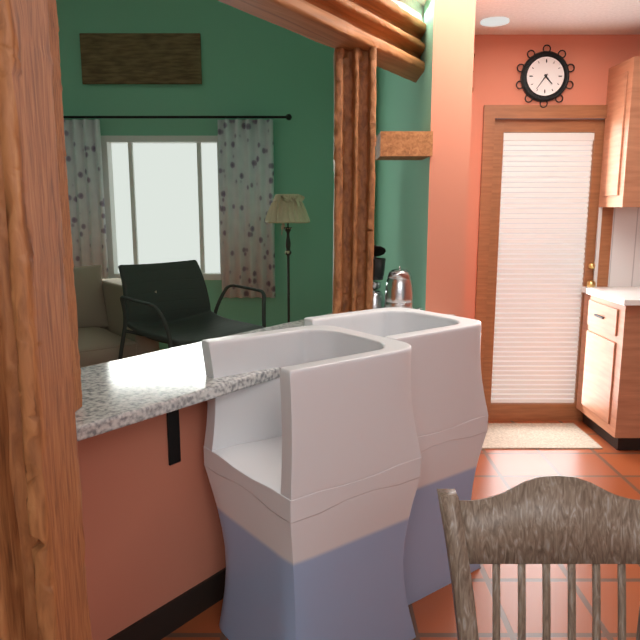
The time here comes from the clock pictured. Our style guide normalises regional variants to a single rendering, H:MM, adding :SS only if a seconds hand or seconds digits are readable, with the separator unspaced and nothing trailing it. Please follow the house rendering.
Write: 4:36
